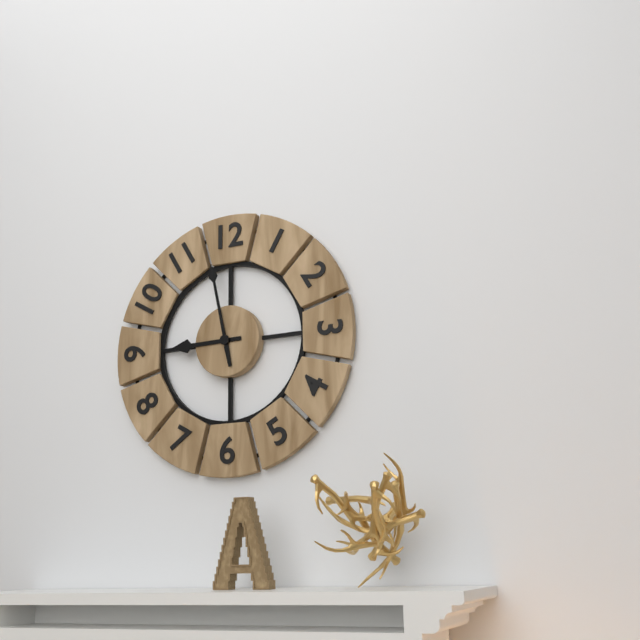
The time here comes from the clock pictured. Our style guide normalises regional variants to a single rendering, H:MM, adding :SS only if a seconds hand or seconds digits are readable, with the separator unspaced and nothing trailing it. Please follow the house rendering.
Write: 8:58
